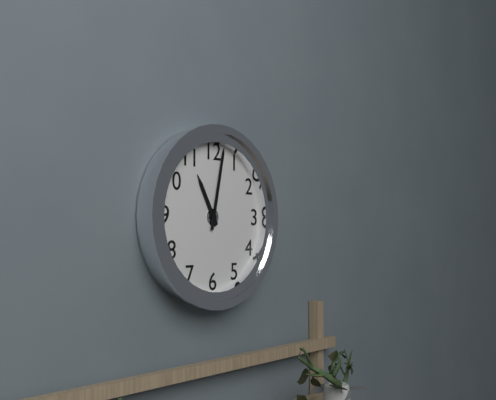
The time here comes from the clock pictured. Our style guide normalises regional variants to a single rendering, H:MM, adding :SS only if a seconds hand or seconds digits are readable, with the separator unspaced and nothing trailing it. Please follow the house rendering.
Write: 11:02
